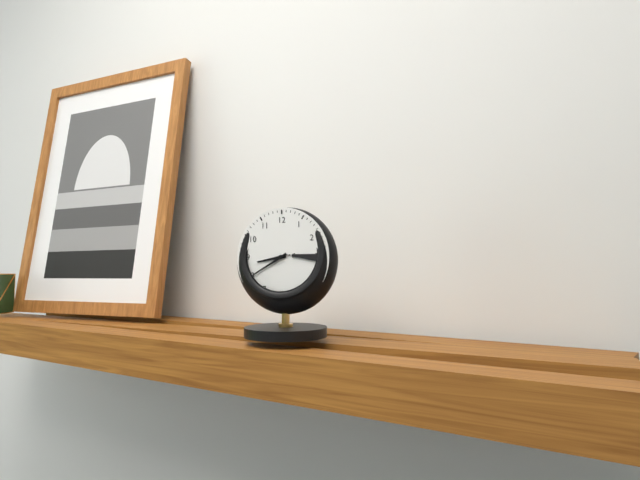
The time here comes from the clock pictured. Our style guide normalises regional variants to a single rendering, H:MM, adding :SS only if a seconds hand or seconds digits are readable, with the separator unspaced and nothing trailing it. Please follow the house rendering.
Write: 8:40
